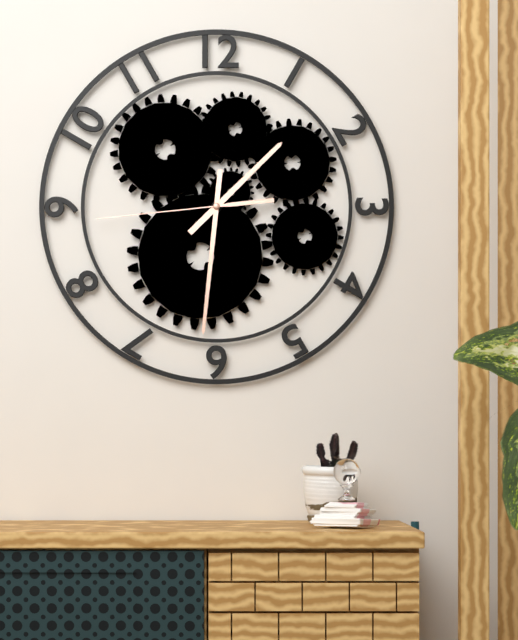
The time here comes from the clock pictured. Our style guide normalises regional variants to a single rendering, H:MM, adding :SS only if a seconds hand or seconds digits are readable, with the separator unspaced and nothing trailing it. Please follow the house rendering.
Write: 1:31:44
